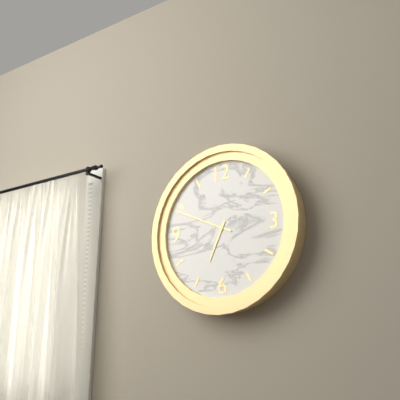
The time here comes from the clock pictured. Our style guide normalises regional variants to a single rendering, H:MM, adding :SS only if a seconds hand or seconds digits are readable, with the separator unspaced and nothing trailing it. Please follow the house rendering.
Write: 6:49
